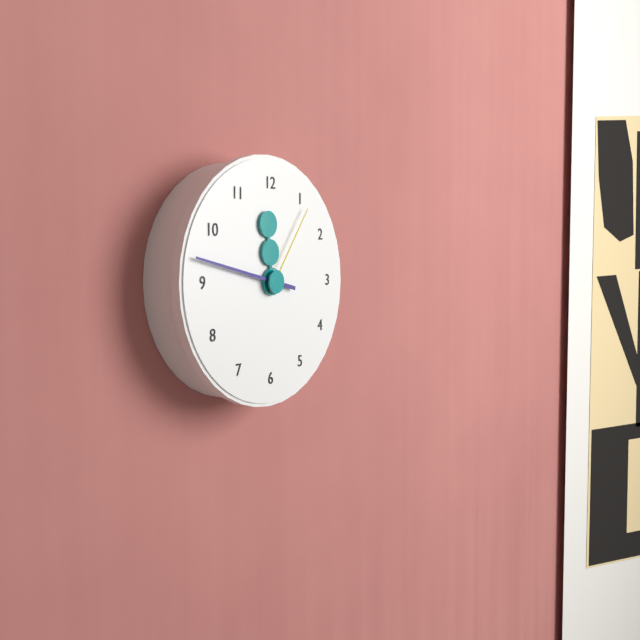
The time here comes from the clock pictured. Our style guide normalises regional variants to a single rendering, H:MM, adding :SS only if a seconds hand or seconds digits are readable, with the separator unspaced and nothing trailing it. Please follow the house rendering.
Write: 11:47:06
